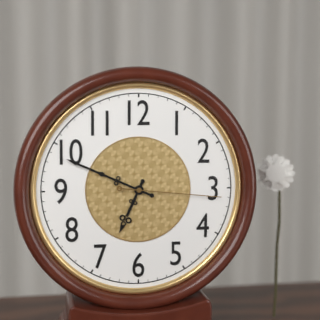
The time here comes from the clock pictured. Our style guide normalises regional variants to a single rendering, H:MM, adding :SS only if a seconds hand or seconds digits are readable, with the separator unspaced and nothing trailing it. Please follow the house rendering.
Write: 6:49:16
